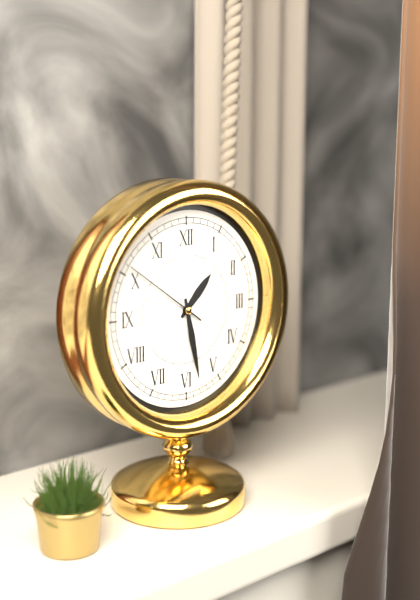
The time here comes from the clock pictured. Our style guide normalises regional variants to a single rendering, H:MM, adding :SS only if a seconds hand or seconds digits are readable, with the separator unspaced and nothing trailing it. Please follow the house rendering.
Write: 1:28:51
